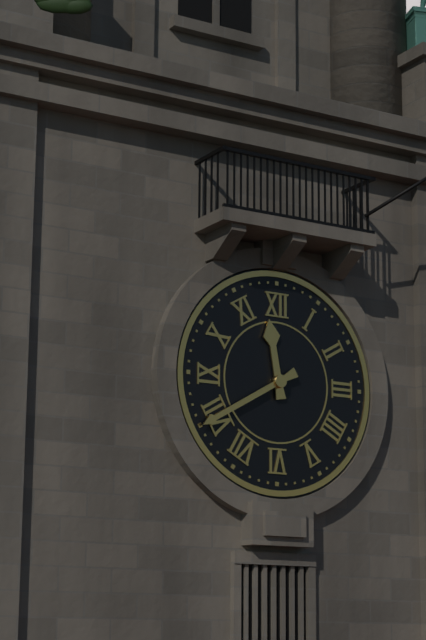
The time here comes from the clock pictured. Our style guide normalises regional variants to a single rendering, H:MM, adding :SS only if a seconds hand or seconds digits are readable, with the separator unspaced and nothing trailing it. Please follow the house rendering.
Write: 11:40
